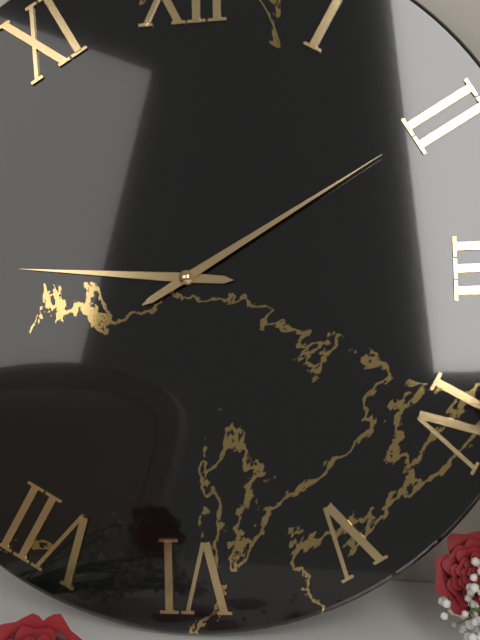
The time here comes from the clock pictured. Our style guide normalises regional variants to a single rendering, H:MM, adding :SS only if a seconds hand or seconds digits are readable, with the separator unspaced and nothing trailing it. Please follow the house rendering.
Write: 9:10
